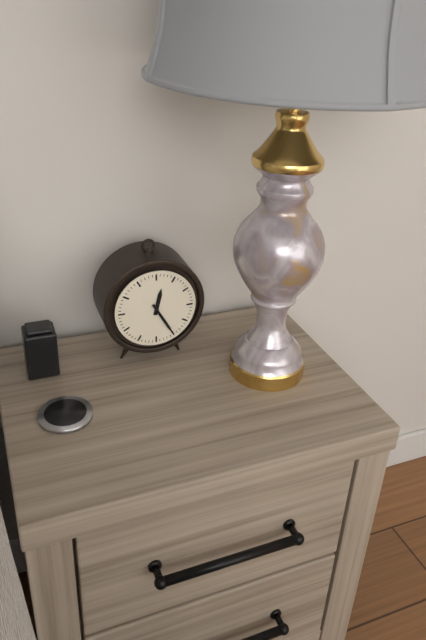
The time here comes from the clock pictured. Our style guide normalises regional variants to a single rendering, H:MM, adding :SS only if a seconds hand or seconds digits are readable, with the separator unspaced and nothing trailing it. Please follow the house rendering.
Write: 12:25
